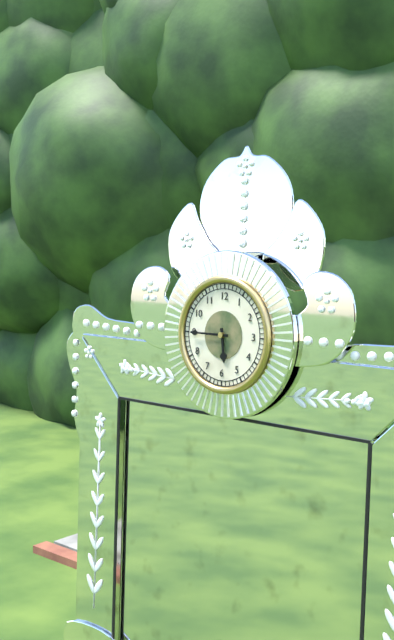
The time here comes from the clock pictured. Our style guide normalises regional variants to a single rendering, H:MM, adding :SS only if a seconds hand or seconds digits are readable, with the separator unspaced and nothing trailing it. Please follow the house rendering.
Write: 5:45
